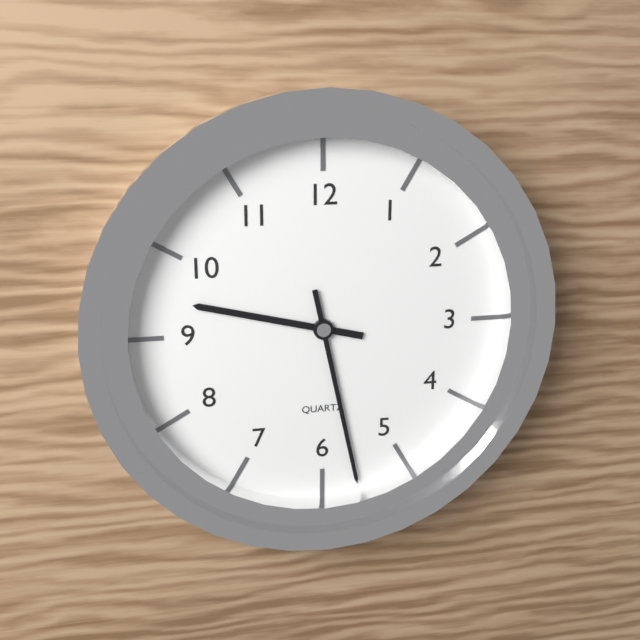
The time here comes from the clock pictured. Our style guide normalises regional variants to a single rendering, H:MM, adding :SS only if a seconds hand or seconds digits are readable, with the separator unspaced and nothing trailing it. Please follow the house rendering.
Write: 9:28
